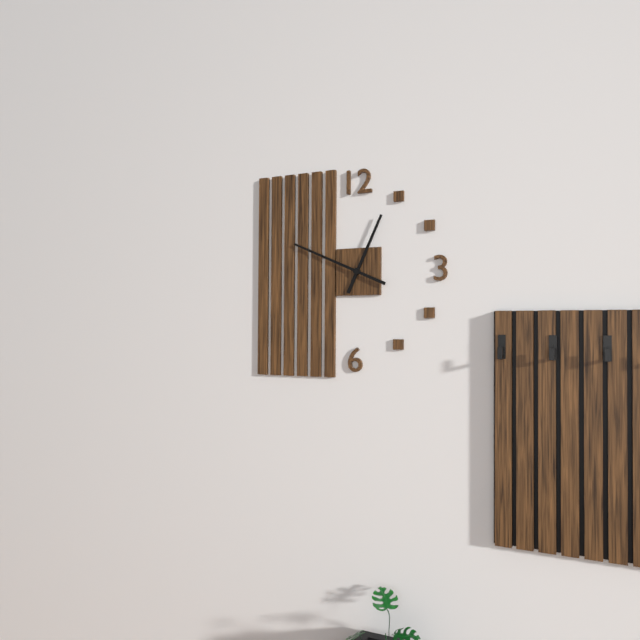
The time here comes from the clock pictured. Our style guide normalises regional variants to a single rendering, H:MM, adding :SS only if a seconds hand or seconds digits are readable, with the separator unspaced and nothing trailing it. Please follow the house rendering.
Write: 12:49
